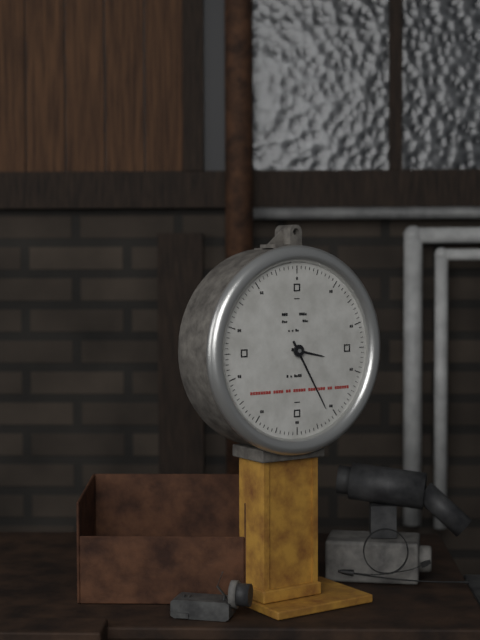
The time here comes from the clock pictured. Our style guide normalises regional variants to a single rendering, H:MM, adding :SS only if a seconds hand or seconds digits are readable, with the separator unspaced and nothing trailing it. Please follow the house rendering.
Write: 3:25
